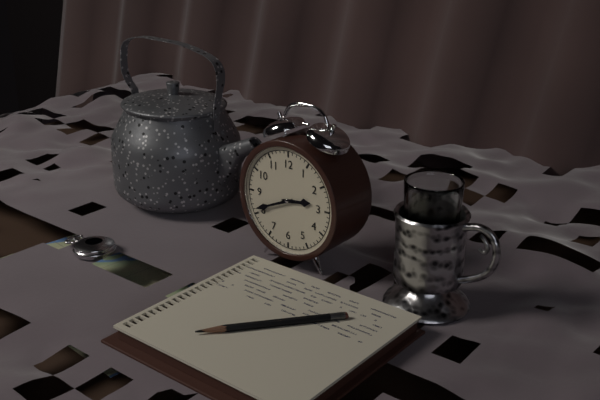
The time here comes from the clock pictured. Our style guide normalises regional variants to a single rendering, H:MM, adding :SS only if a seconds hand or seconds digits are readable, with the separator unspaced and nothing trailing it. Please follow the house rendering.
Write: 2:41
